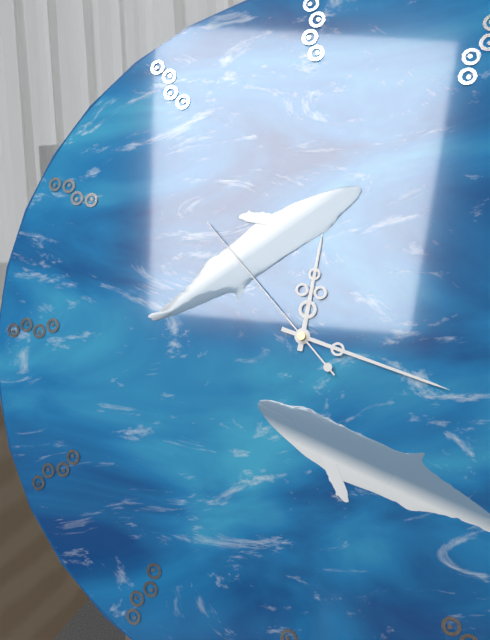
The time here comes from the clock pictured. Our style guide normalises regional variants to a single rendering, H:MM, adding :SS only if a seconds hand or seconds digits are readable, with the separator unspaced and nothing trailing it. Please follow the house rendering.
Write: 12:18:53
